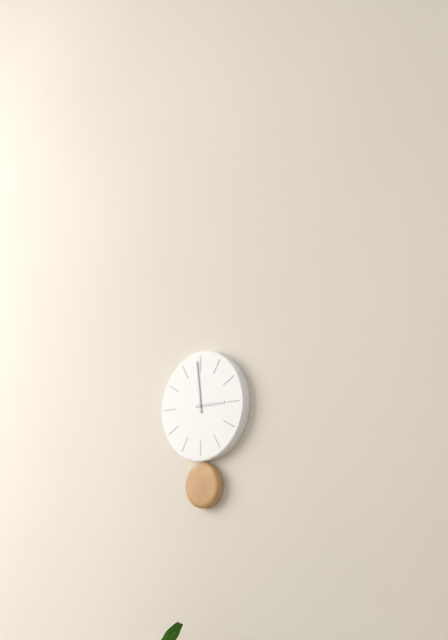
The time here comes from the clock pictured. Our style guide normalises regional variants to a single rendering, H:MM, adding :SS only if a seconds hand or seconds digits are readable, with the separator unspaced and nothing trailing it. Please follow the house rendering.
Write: 2:59
